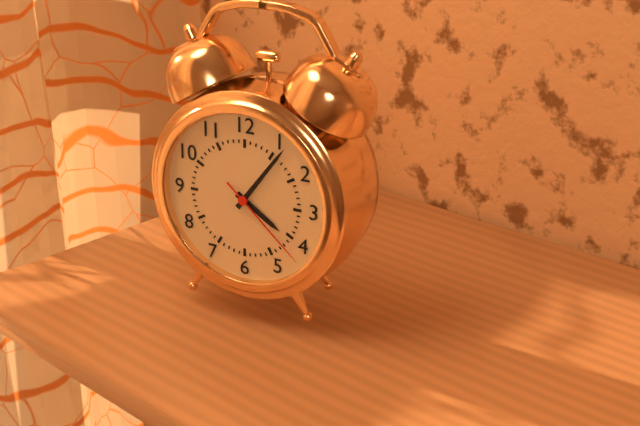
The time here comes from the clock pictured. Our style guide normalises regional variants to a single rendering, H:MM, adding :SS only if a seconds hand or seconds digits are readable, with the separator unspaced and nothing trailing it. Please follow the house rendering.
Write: 4:06:22
